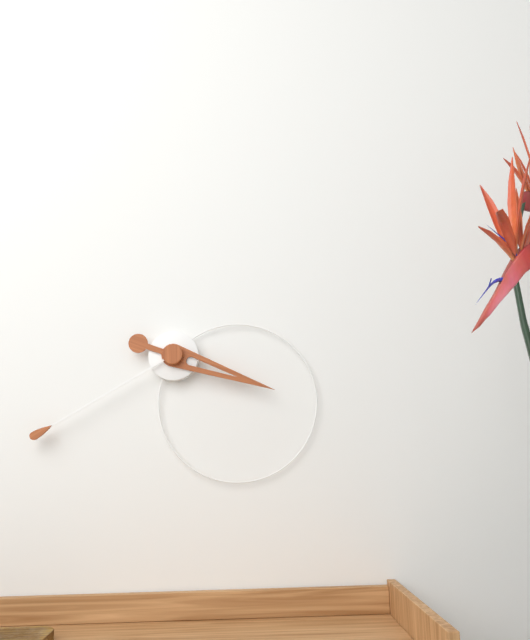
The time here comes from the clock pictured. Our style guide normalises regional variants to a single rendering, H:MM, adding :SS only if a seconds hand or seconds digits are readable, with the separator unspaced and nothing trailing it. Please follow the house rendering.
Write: 3:40
